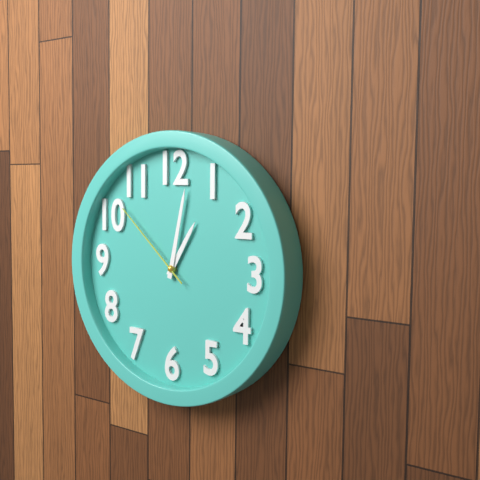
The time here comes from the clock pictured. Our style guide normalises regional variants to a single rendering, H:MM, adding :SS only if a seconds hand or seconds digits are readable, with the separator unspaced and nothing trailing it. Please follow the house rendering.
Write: 1:02:52
